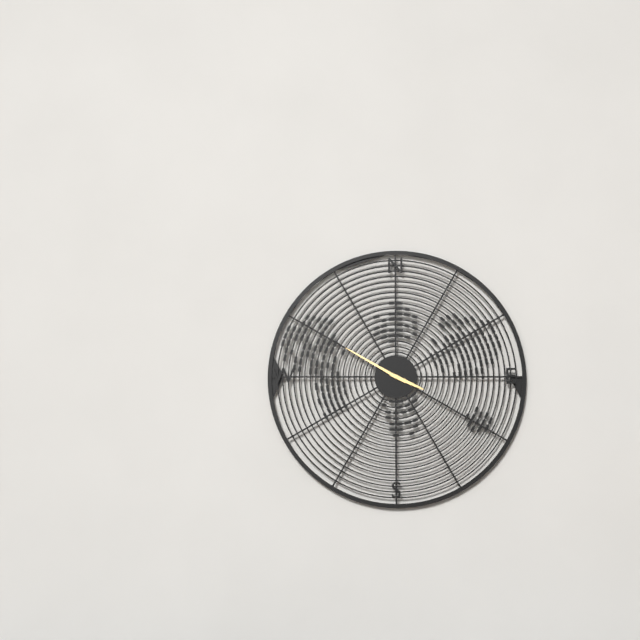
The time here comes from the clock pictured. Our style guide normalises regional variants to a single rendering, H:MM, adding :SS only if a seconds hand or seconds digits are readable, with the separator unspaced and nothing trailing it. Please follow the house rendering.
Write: 3:50
